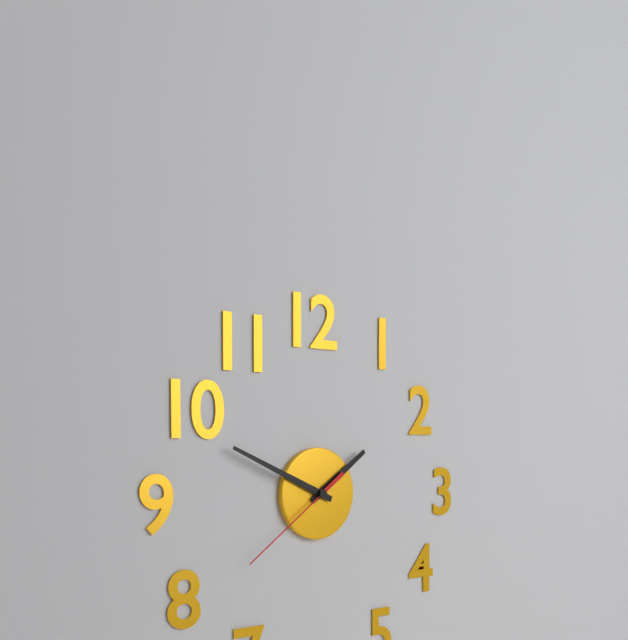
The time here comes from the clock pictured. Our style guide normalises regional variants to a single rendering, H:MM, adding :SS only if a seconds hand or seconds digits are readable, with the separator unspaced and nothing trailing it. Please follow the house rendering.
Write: 1:49:39
